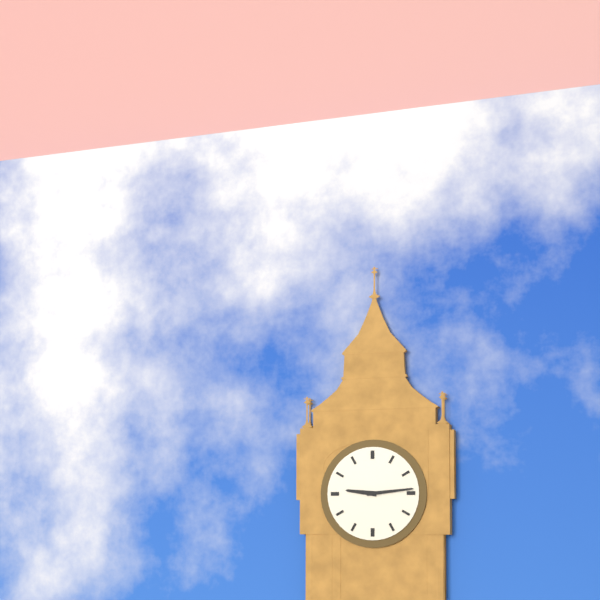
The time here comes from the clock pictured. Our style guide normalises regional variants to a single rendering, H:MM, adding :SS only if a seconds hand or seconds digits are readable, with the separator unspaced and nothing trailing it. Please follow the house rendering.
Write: 9:14
